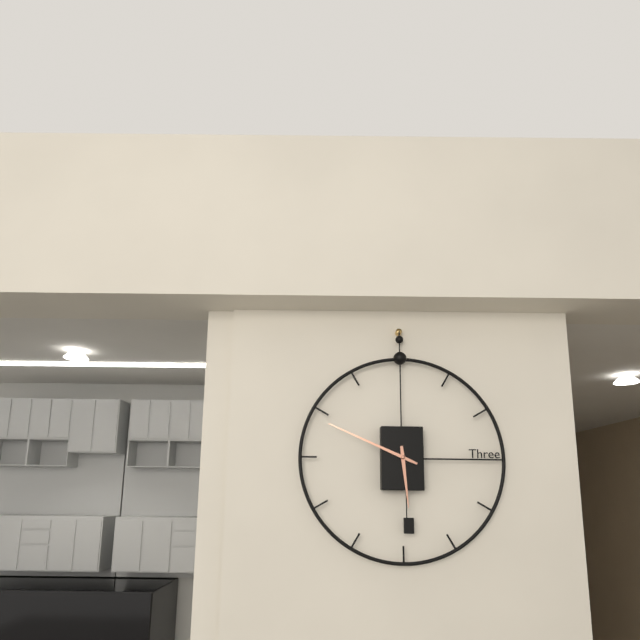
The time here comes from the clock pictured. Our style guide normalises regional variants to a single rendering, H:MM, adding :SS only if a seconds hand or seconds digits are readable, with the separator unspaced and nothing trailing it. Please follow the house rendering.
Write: 5:49
